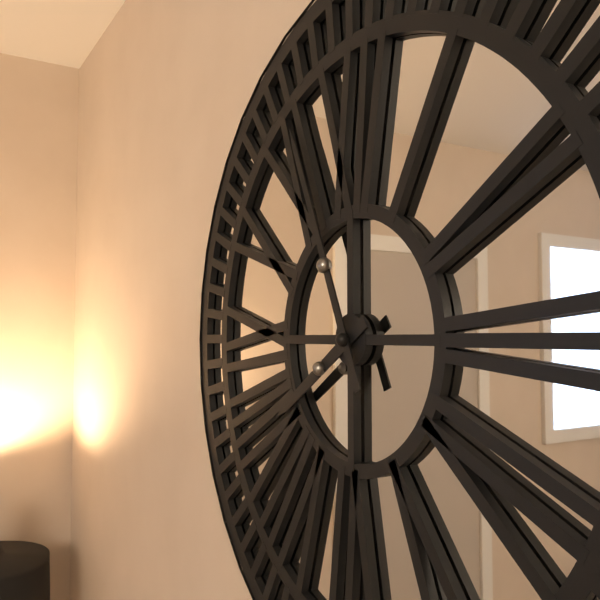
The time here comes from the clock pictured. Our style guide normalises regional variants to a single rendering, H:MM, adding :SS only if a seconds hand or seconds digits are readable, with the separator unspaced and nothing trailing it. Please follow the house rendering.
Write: 7:56
